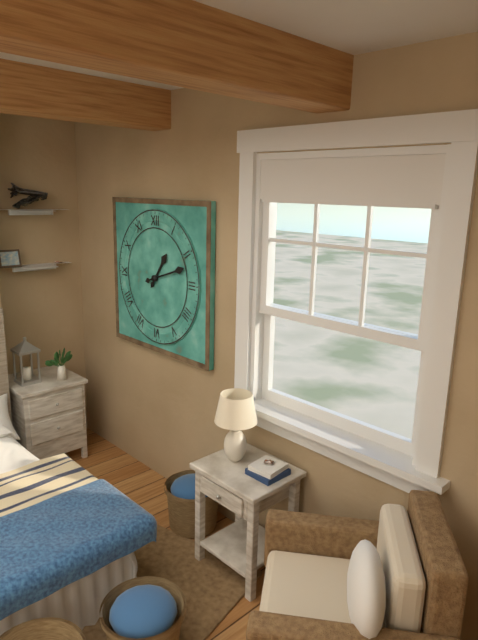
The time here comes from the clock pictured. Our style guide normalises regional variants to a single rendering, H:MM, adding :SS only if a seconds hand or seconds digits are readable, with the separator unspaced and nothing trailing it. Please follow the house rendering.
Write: 1:12
